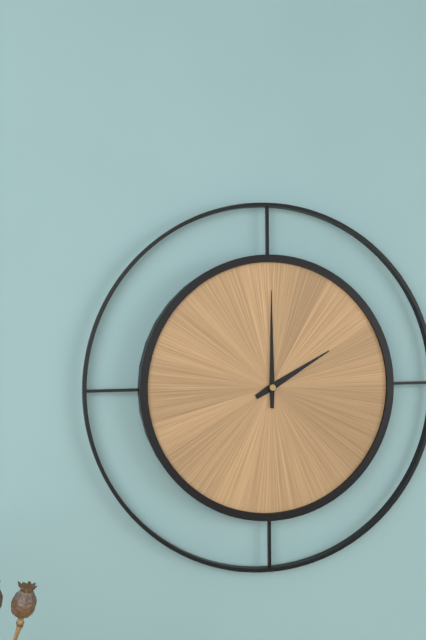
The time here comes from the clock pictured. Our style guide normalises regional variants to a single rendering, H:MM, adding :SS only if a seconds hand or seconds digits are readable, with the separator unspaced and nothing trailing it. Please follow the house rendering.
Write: 2:00
